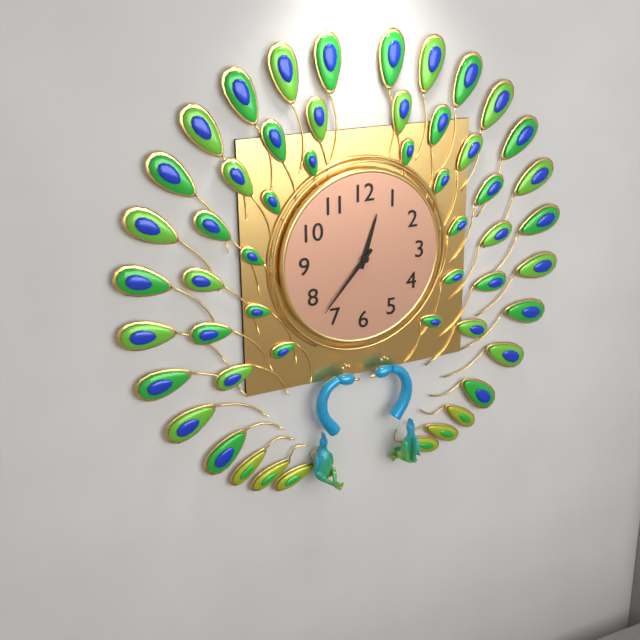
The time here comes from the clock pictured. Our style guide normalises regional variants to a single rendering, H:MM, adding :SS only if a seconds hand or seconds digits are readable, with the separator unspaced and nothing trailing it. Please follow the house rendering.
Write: 12:37
